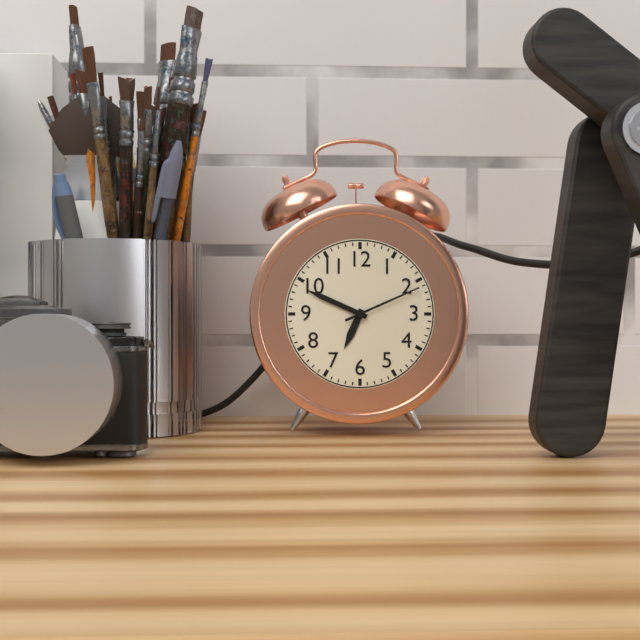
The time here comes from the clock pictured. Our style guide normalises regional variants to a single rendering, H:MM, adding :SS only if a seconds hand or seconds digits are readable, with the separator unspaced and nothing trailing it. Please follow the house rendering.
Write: 6:49:11
